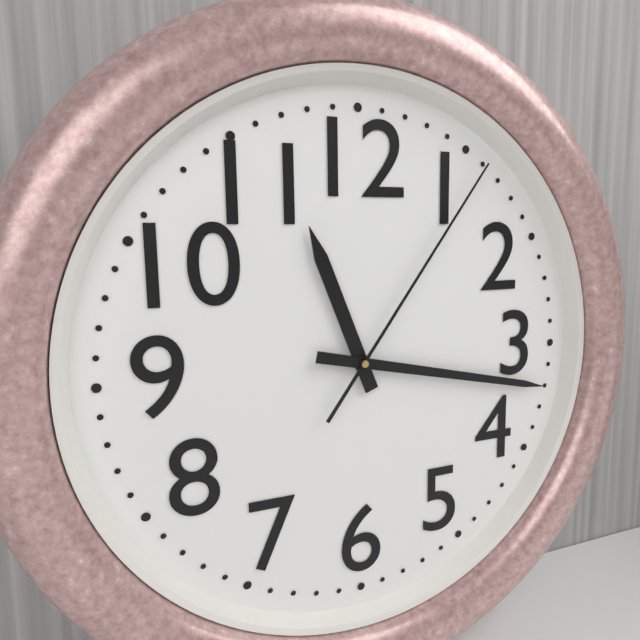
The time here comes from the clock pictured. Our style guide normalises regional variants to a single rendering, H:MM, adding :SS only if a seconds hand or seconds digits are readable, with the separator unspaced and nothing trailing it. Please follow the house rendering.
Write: 11:17:06
